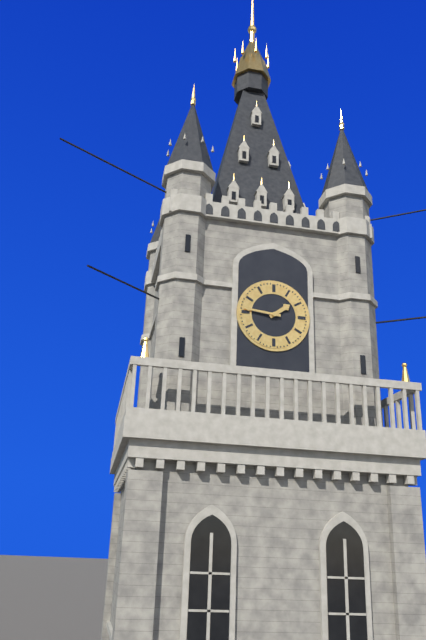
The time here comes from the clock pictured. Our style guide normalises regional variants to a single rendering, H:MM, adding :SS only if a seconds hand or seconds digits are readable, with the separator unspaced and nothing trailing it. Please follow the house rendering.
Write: 1:46
